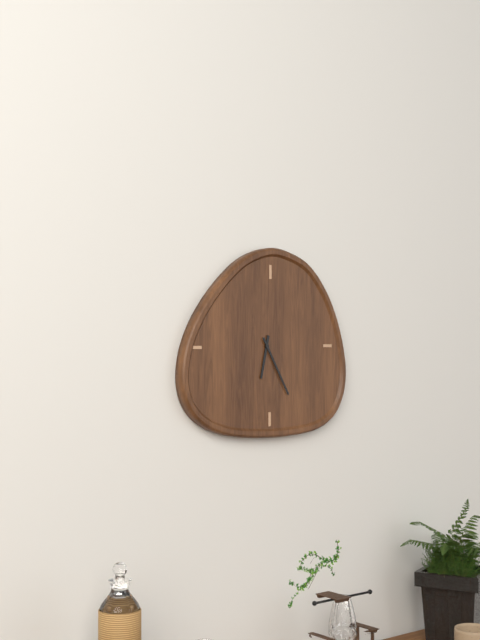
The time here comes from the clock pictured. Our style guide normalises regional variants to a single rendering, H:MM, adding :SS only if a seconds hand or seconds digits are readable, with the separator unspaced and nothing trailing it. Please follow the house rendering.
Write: 6:25
